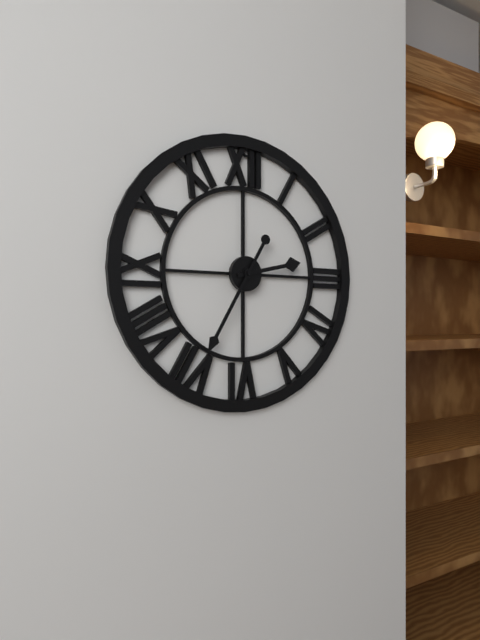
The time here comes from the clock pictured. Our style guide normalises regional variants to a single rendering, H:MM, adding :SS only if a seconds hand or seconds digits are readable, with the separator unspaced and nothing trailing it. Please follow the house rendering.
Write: 2:35
